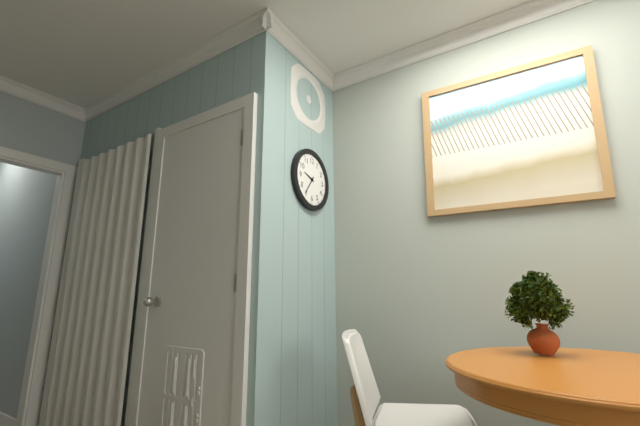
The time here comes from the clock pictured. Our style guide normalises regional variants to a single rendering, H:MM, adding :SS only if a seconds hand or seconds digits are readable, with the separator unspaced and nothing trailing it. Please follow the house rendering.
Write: 9:36
